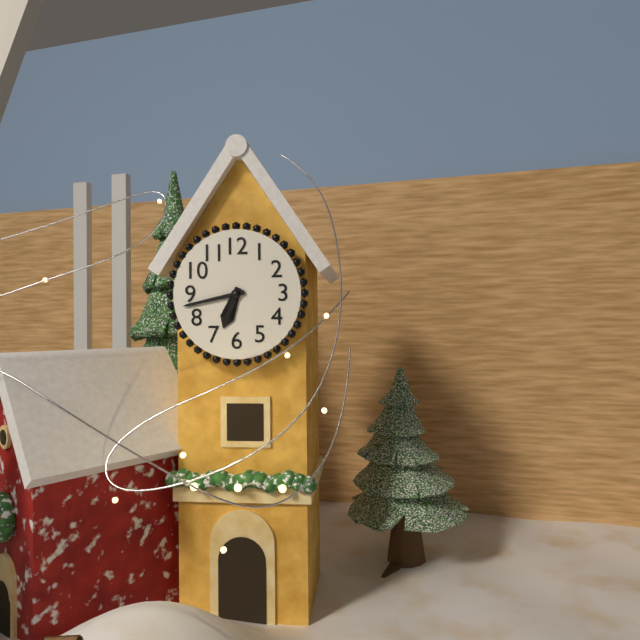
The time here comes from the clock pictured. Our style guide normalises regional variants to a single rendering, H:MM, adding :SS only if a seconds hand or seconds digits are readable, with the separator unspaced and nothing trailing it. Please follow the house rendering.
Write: 6:43
